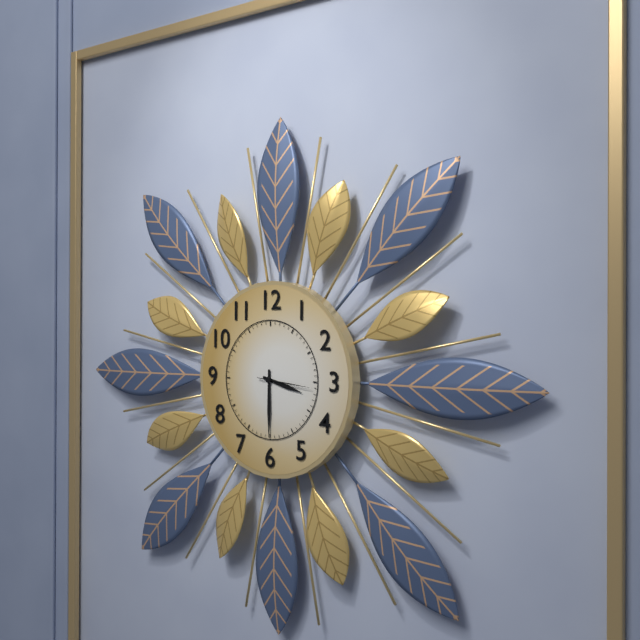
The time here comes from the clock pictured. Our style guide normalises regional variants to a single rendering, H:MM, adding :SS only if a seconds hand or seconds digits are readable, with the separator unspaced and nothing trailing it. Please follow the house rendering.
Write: 3:30:16
